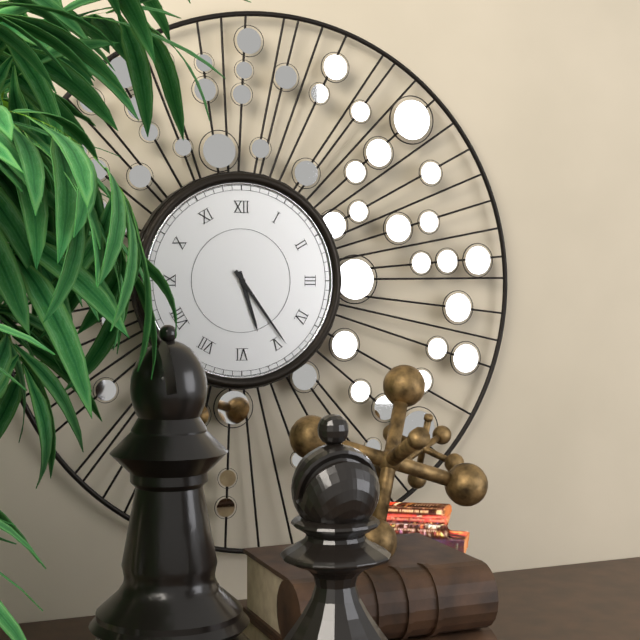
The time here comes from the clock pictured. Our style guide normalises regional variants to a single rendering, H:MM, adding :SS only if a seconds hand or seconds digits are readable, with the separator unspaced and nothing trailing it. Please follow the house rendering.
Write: 5:24
